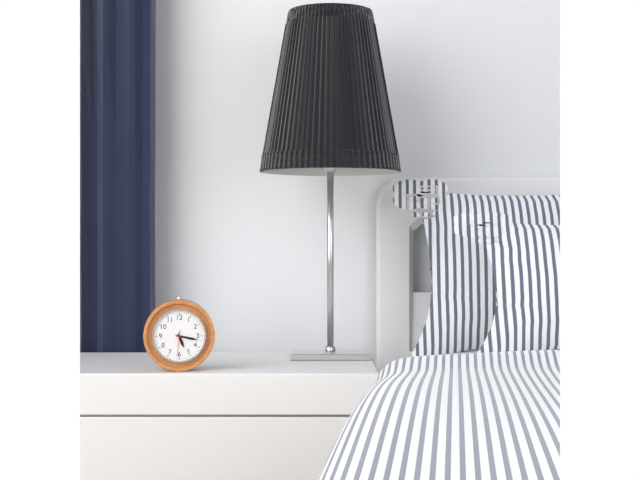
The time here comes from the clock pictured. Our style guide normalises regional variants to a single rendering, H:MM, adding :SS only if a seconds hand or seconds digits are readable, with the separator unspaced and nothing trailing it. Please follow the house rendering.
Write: 5:17
